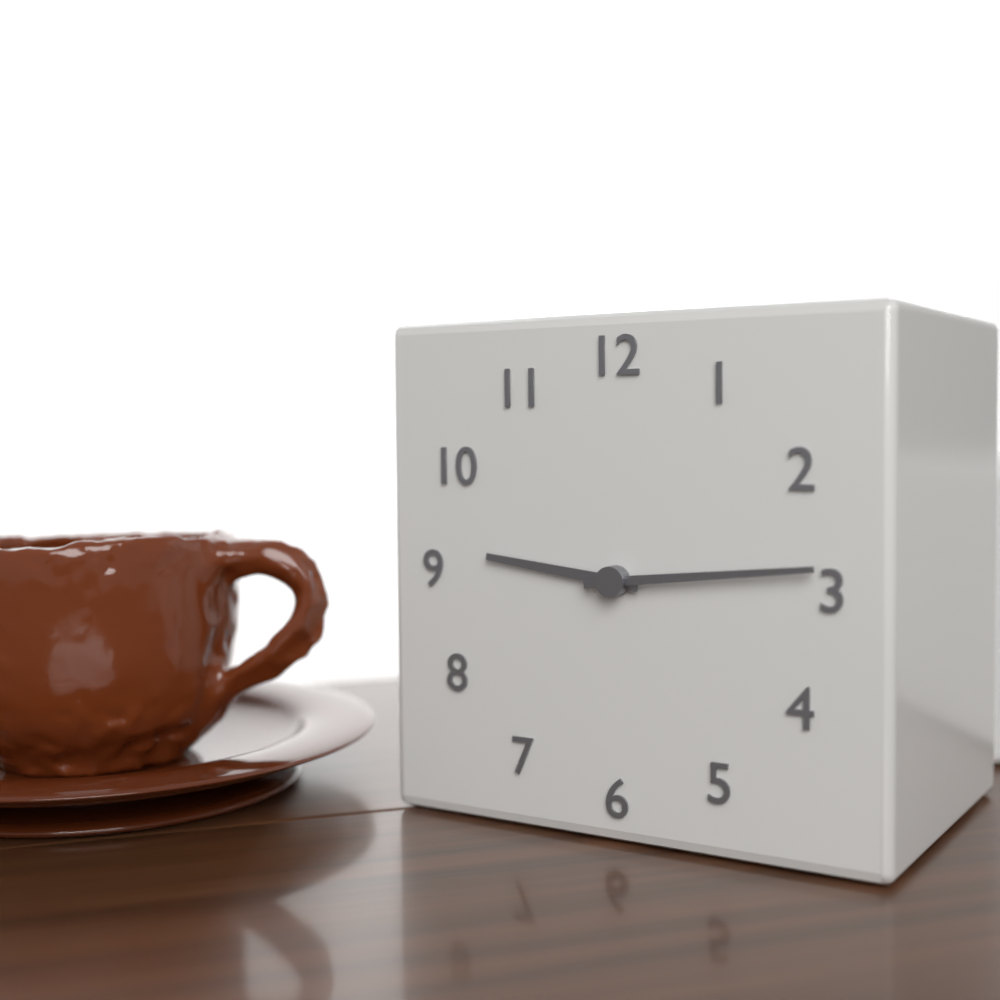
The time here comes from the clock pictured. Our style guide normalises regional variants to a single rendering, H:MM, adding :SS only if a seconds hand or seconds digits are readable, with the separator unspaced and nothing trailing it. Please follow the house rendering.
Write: 9:14
